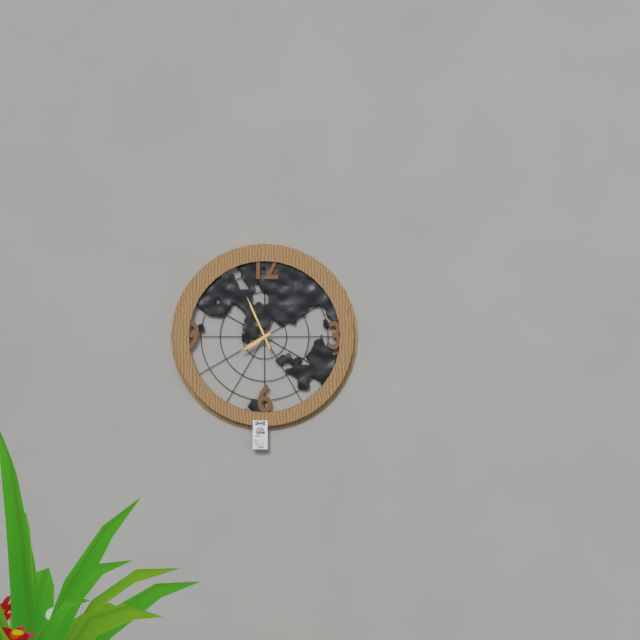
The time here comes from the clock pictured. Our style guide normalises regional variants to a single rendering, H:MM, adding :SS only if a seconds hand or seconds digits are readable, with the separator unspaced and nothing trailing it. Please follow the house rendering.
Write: 7:56
